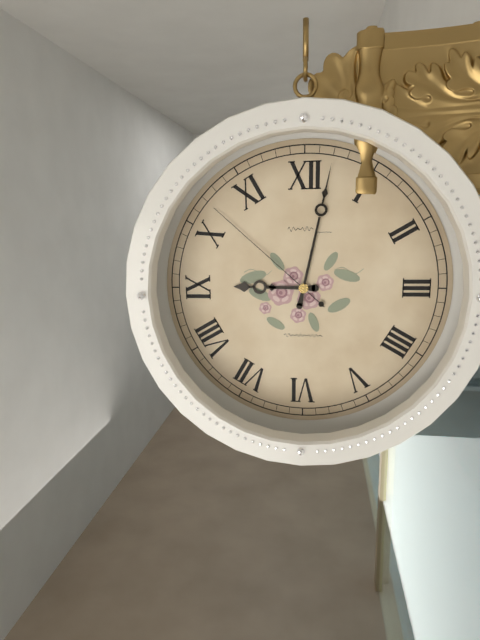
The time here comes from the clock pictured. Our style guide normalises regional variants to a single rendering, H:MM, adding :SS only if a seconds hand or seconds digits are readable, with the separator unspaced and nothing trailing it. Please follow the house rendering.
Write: 9:02:52
